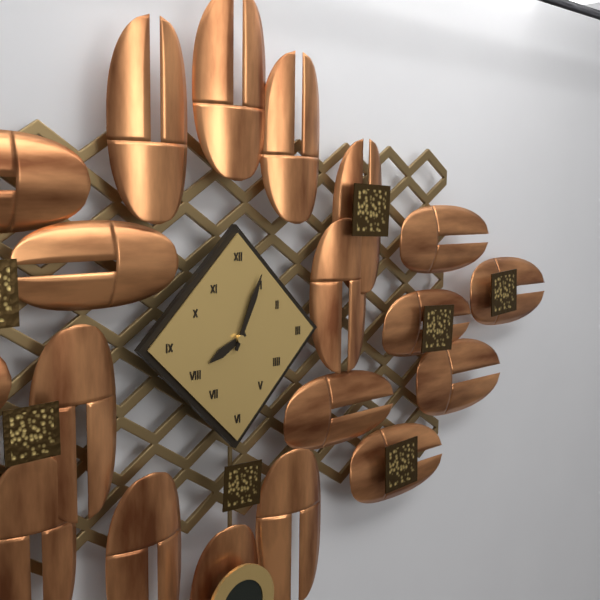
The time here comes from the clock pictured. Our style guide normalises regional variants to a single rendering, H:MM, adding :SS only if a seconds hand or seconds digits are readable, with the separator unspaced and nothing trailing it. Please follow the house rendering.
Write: 8:04
